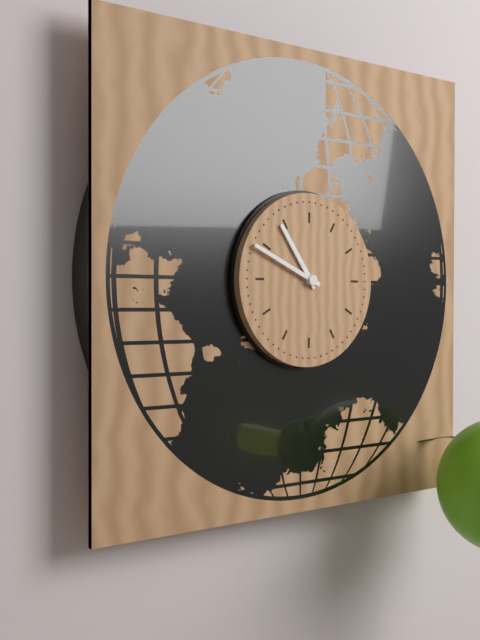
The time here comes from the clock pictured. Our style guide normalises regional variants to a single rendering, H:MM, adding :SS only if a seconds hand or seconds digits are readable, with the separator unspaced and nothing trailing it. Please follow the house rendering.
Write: 10:49
